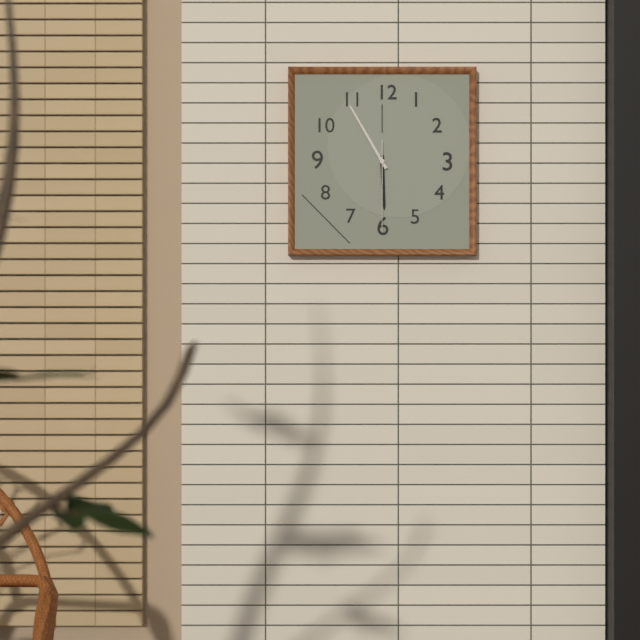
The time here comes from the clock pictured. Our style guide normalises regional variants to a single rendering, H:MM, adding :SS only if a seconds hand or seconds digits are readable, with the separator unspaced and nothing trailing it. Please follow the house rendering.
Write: 5:55:30
